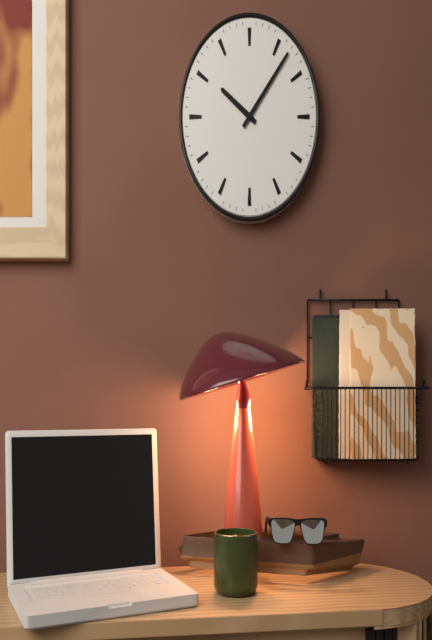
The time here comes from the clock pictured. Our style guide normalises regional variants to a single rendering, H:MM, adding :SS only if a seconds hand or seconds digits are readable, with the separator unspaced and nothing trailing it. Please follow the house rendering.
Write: 10:07
